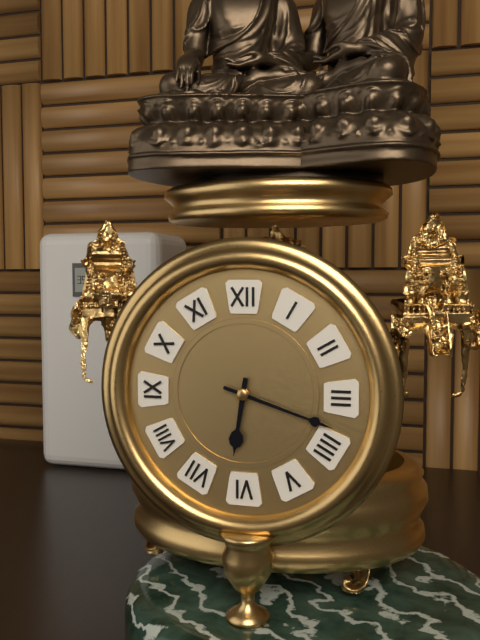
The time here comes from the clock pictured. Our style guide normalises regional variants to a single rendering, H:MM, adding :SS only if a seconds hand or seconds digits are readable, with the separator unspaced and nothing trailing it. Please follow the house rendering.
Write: 6:18
